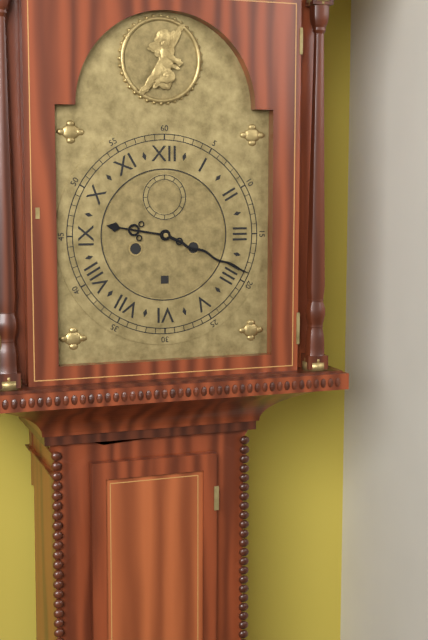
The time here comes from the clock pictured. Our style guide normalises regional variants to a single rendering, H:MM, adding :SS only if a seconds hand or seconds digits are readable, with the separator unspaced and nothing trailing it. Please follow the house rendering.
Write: 9:19
